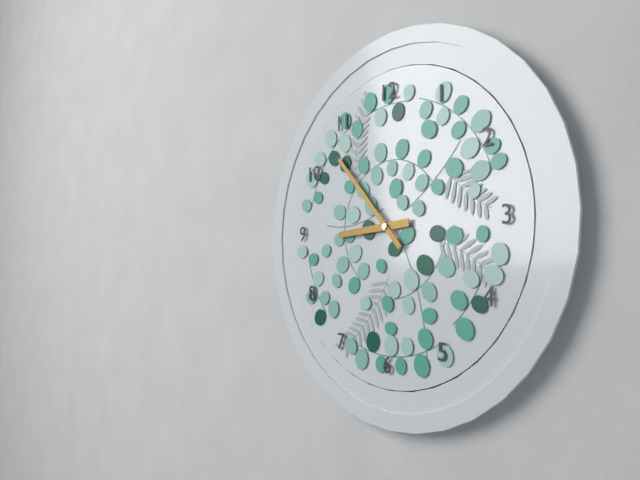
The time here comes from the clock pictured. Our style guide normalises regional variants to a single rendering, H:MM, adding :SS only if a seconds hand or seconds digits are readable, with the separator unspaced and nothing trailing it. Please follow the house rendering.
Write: 8:53
